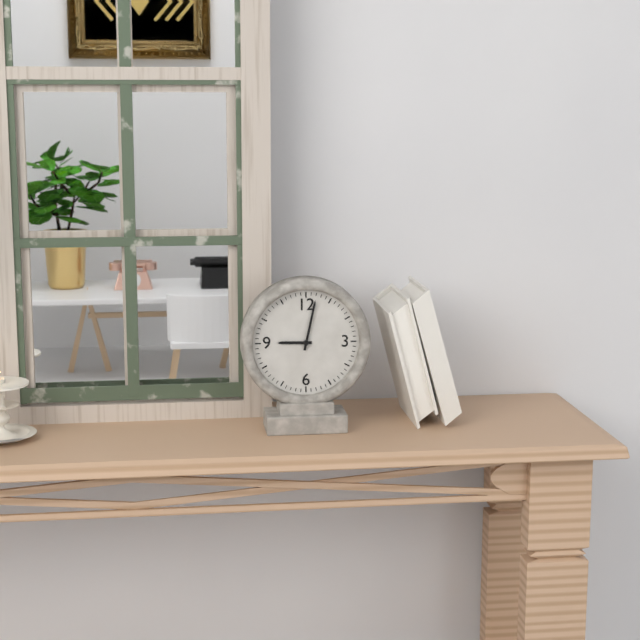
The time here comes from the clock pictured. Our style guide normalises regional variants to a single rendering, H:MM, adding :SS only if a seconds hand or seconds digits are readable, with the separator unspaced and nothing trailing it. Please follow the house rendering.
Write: 9:02
